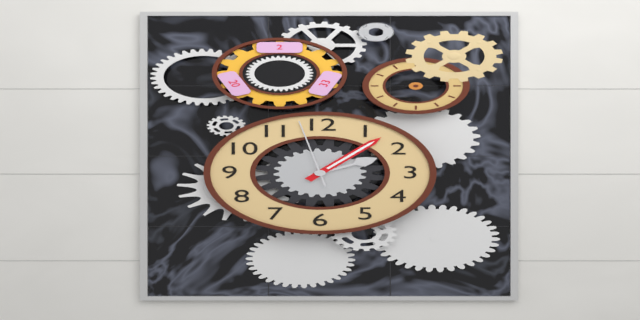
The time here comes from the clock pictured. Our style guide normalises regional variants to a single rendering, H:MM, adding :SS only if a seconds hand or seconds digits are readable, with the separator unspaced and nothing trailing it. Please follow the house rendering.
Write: 2:07:58
